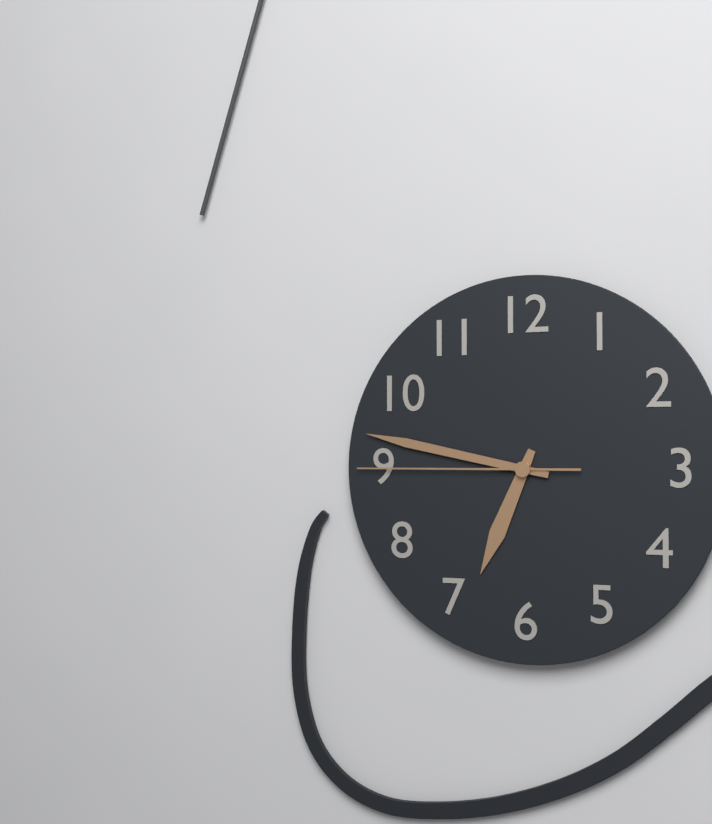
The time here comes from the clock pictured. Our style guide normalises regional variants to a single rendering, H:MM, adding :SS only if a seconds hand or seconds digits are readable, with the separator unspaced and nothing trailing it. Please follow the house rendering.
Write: 6:47:45
